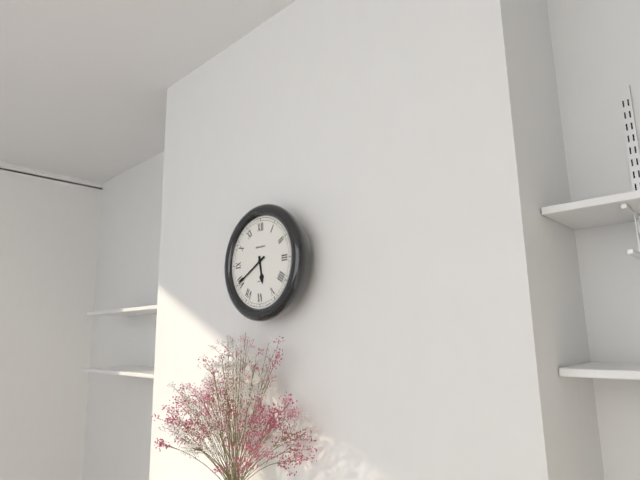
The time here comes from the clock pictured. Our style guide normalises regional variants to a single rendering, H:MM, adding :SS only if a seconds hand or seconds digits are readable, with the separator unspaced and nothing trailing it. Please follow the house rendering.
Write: 5:40
